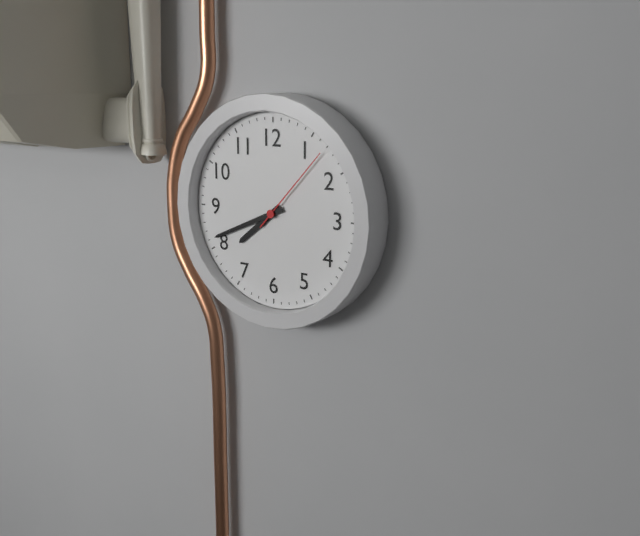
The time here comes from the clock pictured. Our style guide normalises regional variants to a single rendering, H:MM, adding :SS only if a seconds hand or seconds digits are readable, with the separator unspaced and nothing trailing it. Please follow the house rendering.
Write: 7:41:07
